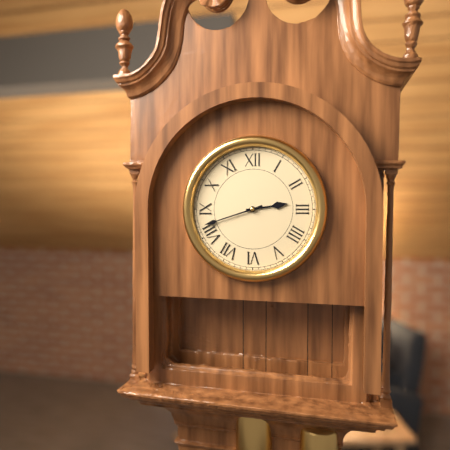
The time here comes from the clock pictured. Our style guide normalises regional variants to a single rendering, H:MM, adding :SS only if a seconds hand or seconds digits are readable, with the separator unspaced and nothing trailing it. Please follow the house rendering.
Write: 2:42
